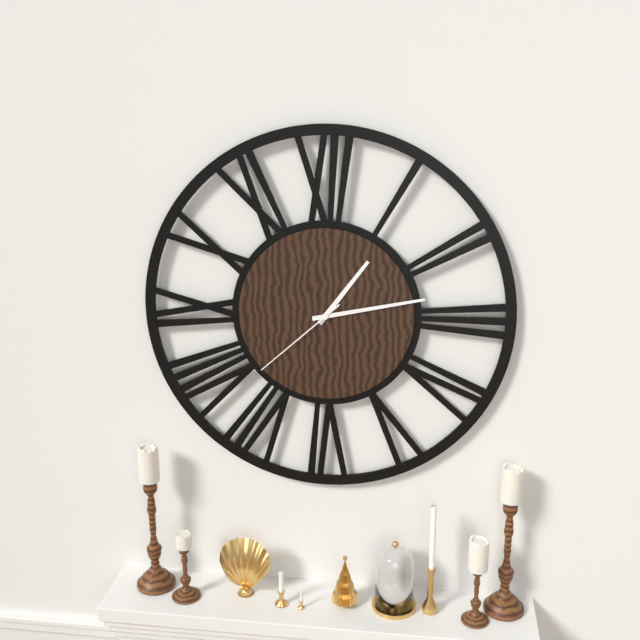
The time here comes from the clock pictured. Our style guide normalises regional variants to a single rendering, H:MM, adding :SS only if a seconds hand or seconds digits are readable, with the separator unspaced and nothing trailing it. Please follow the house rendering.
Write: 1:13:38
